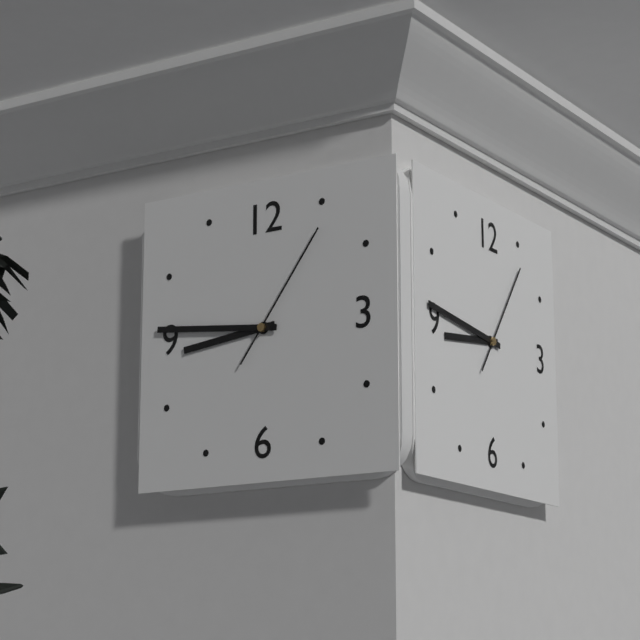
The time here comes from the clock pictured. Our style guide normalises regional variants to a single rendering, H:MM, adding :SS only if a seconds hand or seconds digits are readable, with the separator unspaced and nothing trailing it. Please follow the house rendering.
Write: 8:46:06
